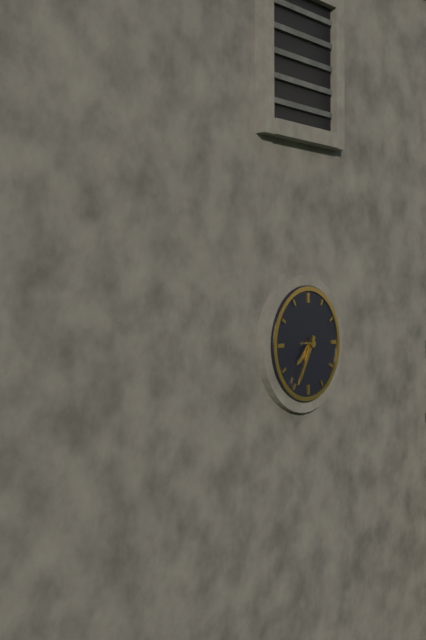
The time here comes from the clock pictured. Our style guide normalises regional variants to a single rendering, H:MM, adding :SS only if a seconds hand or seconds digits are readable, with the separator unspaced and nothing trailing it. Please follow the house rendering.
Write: 7:35
